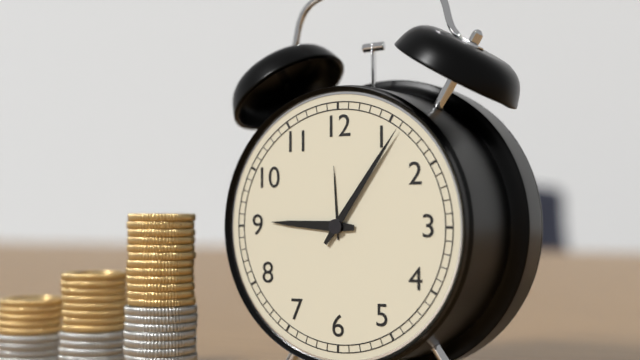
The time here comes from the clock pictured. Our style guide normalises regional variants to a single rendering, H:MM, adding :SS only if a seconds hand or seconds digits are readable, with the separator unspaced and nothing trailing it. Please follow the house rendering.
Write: 9:06
